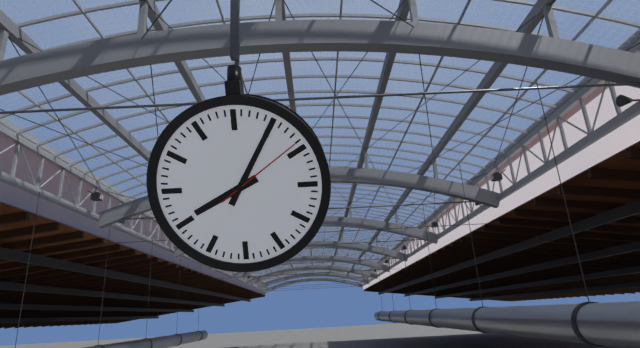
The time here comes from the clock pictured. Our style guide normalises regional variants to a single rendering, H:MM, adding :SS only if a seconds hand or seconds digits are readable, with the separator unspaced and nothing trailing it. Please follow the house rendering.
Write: 8:05:09
